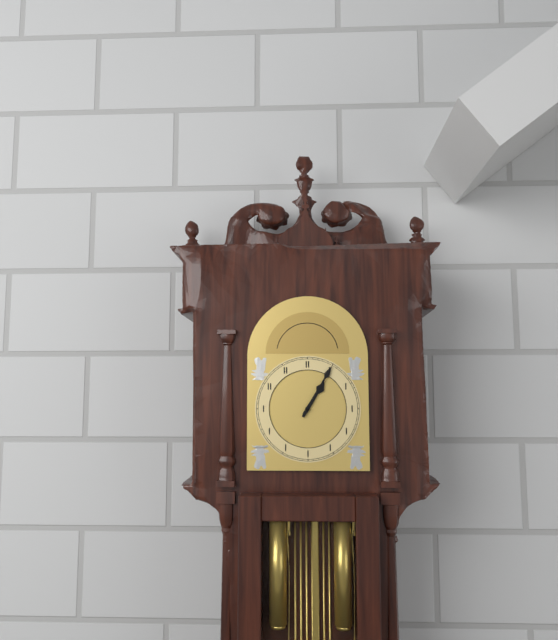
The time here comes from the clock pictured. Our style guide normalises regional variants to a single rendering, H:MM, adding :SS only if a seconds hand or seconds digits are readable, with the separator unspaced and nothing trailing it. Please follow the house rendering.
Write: 1:05
